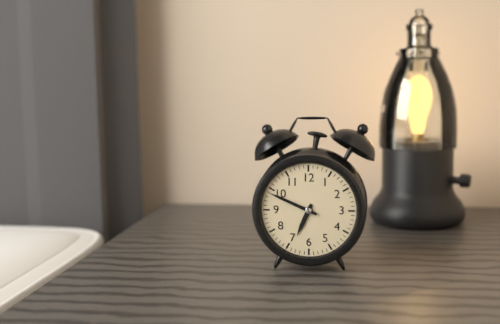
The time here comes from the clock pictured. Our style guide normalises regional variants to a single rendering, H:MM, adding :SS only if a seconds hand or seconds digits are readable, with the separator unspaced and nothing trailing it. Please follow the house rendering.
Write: 6:49
